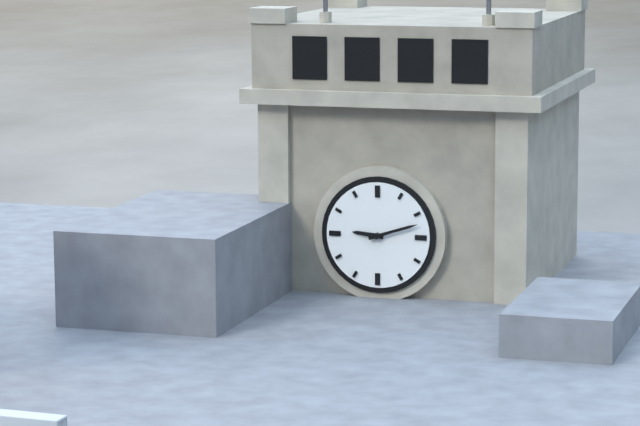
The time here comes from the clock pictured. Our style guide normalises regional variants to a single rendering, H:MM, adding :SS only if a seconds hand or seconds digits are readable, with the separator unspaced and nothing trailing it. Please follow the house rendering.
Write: 9:12
